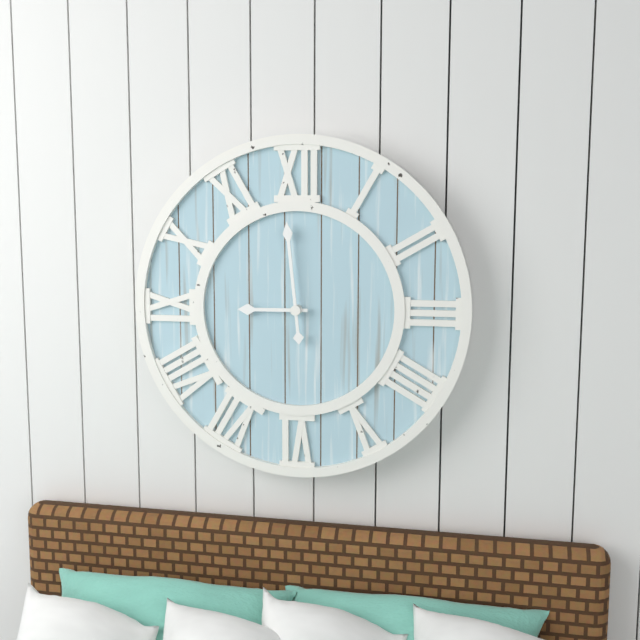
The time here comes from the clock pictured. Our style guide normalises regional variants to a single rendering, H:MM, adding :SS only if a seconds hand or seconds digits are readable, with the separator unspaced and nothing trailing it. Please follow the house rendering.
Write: 8:59
